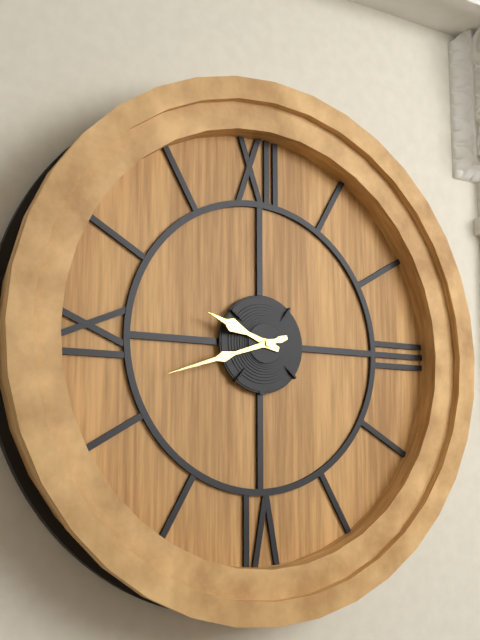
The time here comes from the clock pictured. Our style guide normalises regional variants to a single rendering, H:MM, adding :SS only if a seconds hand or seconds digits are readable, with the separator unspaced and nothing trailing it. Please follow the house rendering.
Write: 9:42
